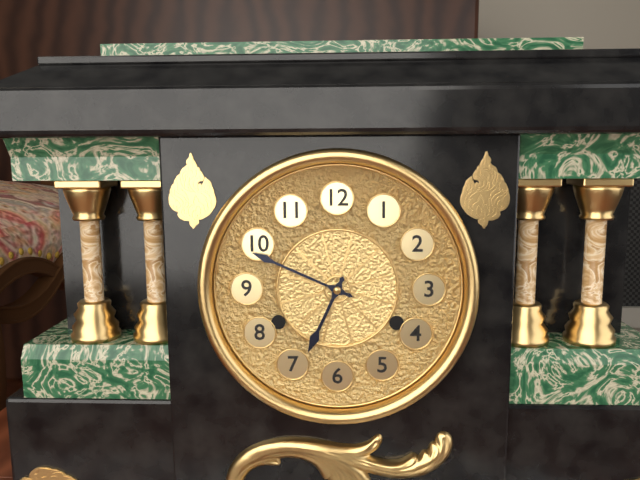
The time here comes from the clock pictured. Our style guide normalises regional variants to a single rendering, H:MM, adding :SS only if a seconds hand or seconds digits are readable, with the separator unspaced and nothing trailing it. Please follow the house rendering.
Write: 6:49
